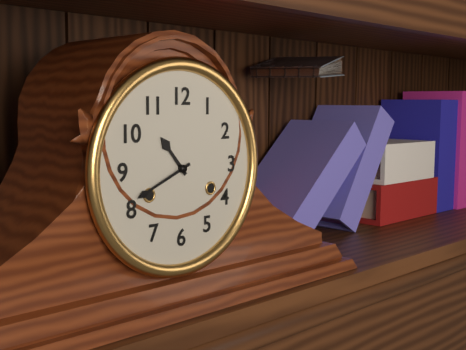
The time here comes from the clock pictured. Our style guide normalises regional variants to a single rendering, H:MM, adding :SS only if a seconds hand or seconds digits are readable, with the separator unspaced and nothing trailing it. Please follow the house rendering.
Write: 10:41
